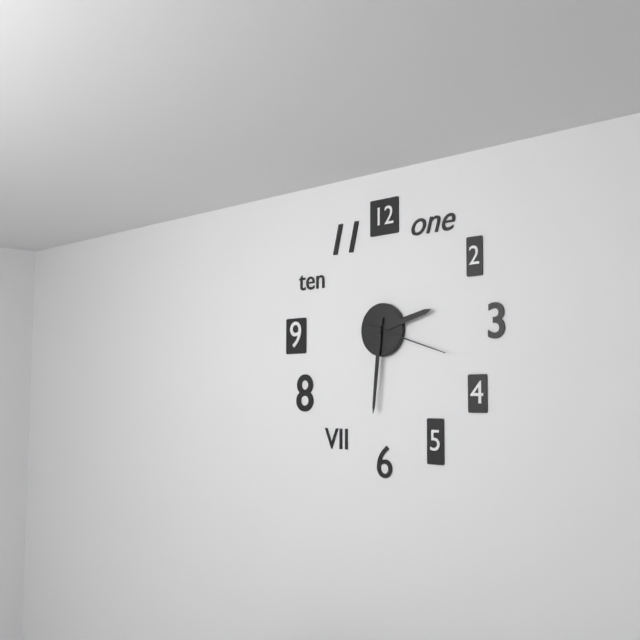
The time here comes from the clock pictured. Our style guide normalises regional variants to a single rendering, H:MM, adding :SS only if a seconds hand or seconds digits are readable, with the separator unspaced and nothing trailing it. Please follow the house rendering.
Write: 2:31:18
